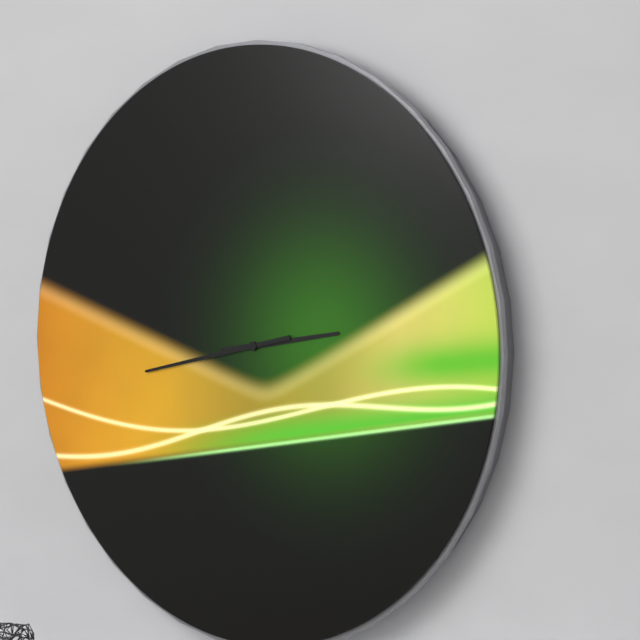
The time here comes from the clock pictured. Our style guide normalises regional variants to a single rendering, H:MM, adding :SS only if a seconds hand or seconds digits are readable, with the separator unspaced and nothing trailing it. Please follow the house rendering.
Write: 2:43
